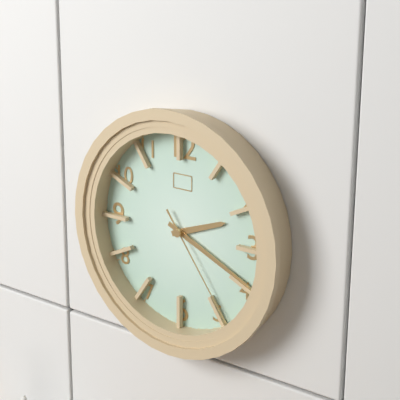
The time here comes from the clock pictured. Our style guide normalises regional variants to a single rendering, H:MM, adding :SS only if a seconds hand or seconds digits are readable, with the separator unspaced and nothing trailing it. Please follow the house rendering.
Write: 2:19:24
